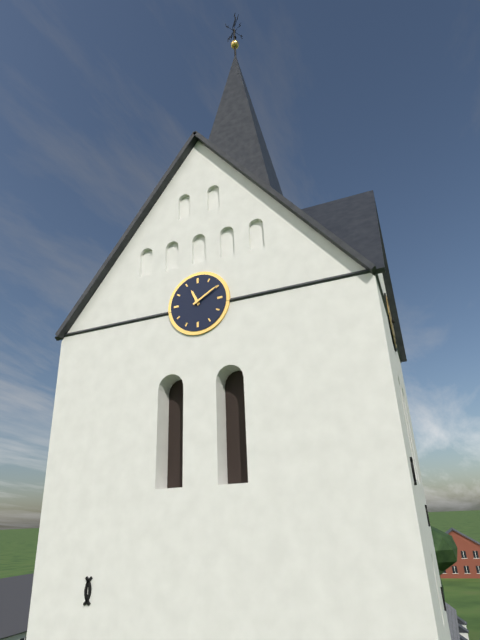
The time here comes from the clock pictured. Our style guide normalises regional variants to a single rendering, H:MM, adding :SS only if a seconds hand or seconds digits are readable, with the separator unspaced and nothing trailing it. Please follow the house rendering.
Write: 11:10
